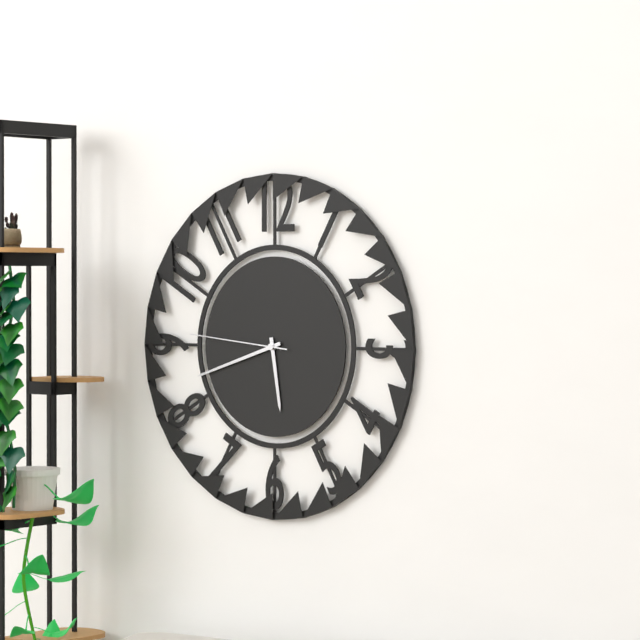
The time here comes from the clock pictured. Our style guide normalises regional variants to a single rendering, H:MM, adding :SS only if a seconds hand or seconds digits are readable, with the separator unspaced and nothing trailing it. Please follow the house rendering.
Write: 5:42:46
